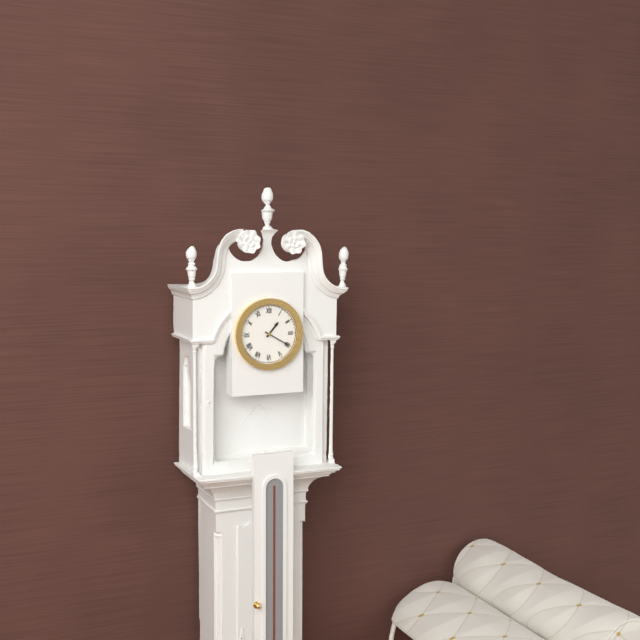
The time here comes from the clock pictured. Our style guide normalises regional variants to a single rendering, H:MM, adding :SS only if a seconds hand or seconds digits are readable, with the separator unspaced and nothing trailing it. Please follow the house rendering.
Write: 1:20
